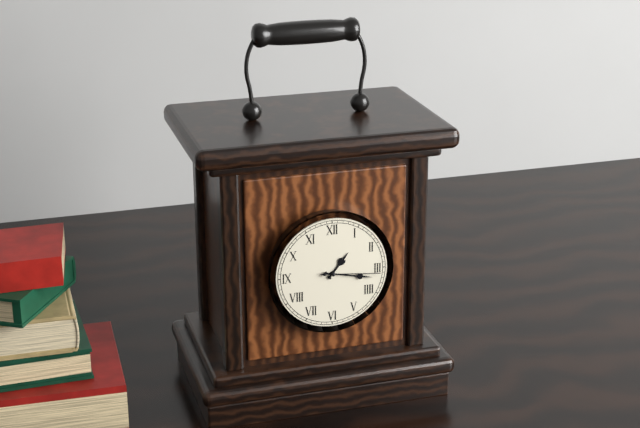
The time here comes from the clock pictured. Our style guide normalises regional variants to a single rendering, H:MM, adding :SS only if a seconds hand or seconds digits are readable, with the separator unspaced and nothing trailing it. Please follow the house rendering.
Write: 1:17:16
